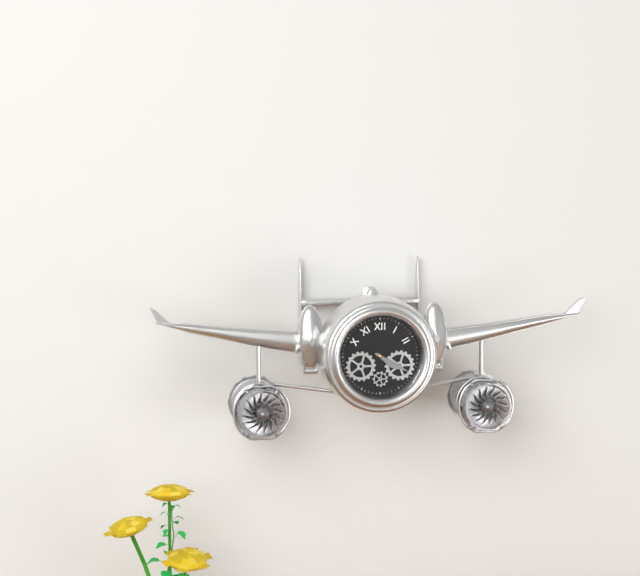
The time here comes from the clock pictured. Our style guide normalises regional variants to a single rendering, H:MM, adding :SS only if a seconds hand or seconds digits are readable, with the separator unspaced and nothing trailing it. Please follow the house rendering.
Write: 4:20
